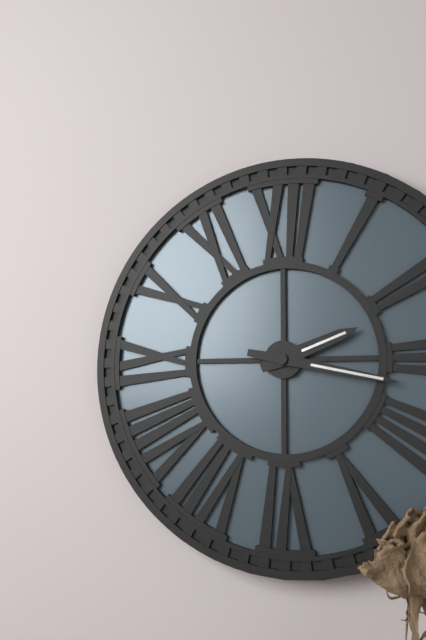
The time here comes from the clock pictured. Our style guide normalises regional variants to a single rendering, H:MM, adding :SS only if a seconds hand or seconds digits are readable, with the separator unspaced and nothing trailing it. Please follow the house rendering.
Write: 2:17
